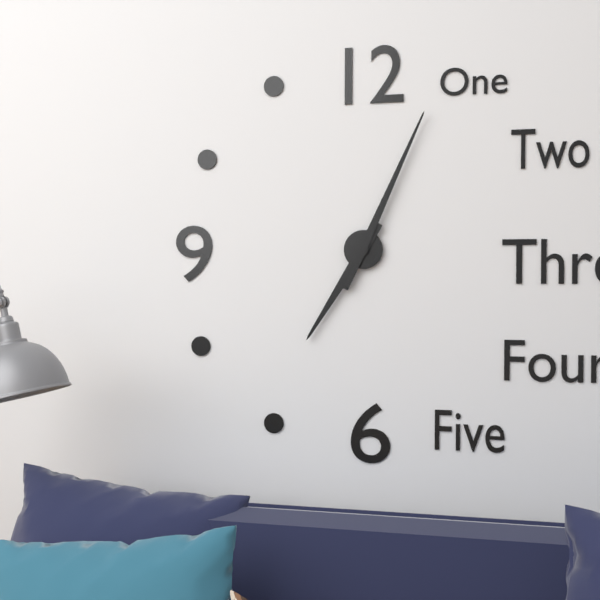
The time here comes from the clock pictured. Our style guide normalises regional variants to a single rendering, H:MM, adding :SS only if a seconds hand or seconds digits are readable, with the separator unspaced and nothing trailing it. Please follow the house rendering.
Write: 7:04
